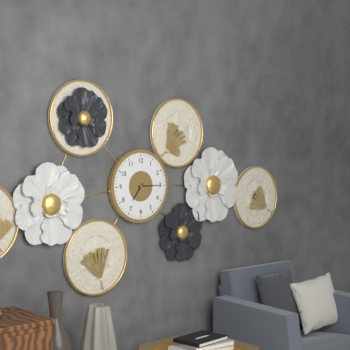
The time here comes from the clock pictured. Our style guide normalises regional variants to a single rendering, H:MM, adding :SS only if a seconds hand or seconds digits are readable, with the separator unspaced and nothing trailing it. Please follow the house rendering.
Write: 7:15
